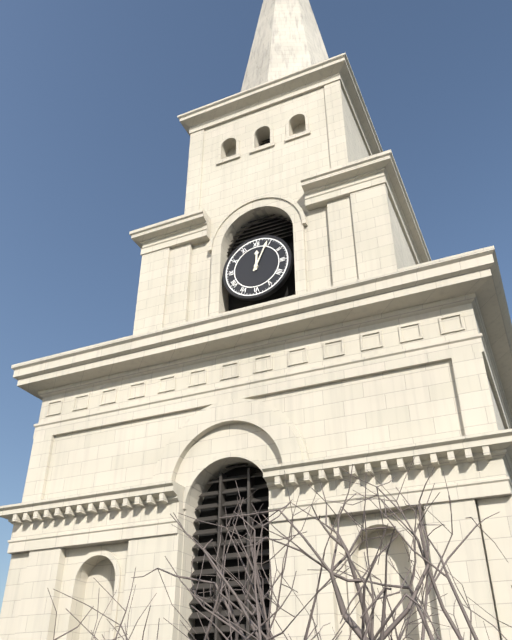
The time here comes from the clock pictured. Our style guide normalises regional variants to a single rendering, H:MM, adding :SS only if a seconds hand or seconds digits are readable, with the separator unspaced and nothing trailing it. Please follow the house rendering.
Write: 12:04
